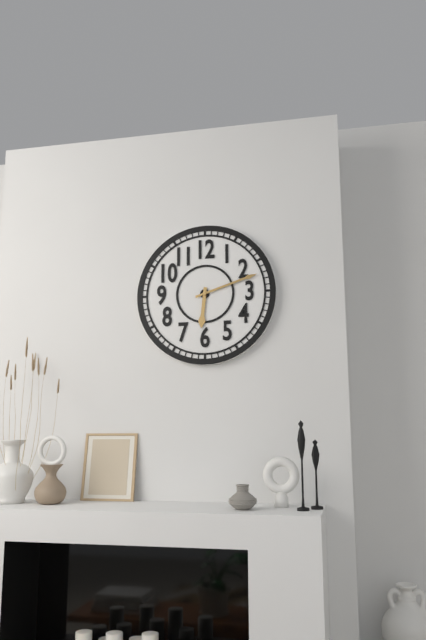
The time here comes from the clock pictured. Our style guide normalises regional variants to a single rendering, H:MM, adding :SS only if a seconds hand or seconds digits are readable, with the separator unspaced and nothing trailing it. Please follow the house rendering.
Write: 6:12
